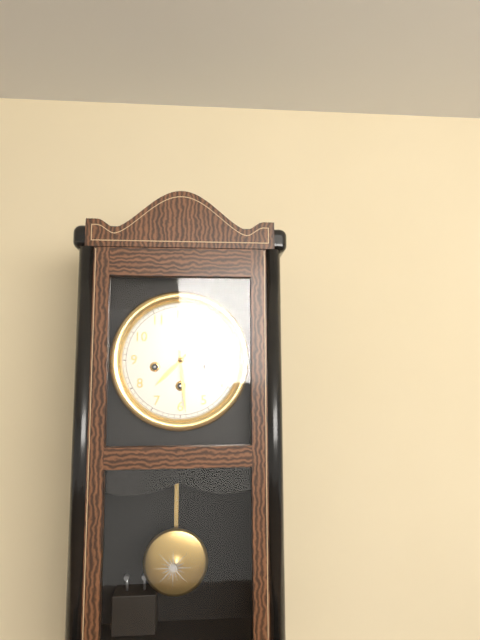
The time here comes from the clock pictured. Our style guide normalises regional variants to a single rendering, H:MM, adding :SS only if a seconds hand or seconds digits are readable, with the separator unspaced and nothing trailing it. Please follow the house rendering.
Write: 7:29
